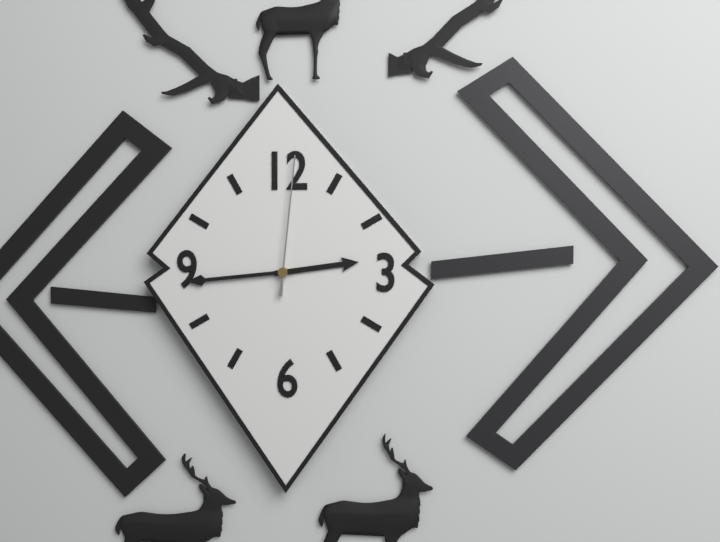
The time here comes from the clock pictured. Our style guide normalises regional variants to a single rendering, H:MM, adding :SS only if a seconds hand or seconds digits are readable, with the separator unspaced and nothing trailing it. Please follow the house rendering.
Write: 2:44:01
